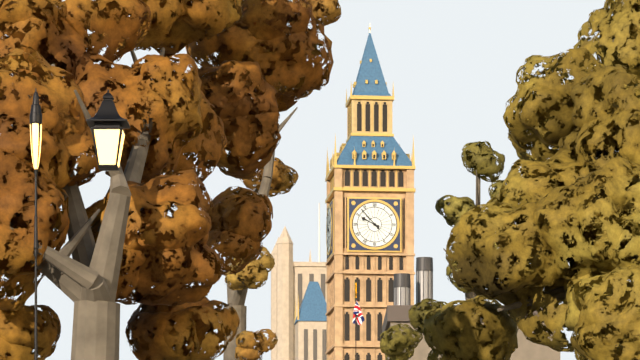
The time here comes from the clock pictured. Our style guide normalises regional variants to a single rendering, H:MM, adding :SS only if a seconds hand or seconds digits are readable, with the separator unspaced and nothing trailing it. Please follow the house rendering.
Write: 9:53
